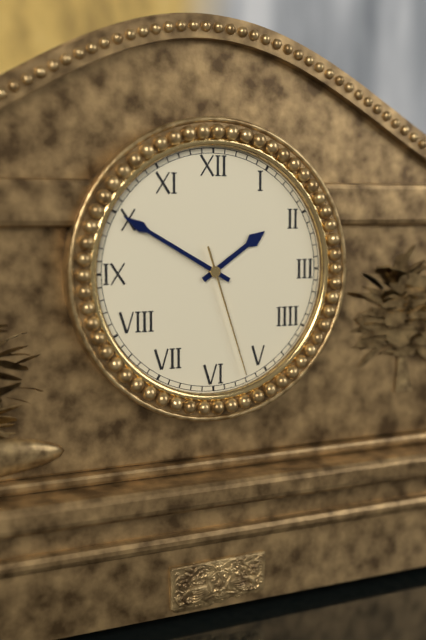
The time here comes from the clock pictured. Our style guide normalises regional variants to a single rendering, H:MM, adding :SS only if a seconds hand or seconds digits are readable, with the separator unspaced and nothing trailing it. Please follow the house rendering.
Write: 1:50:27
